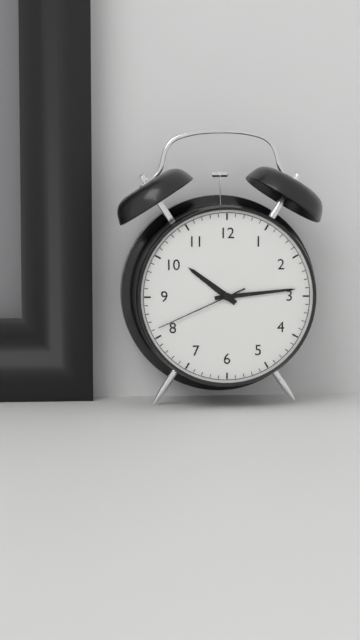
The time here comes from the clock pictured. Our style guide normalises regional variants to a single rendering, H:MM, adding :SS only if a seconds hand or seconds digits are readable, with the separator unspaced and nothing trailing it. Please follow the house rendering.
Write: 10:14:41
